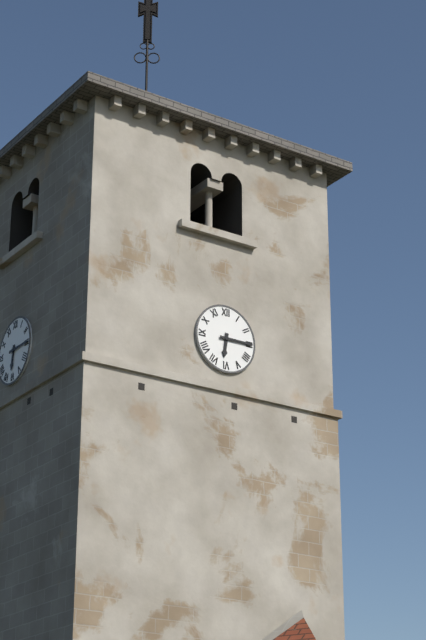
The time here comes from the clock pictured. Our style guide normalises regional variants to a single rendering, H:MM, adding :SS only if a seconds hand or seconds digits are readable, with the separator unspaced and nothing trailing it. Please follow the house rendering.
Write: 6:15
